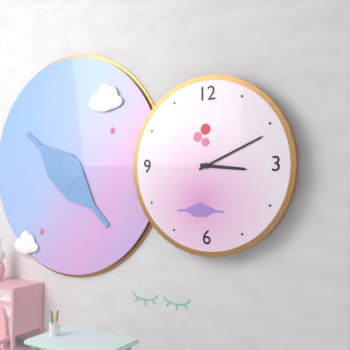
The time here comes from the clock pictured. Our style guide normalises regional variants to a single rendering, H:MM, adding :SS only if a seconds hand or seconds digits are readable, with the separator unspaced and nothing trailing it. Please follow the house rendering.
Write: 3:11
